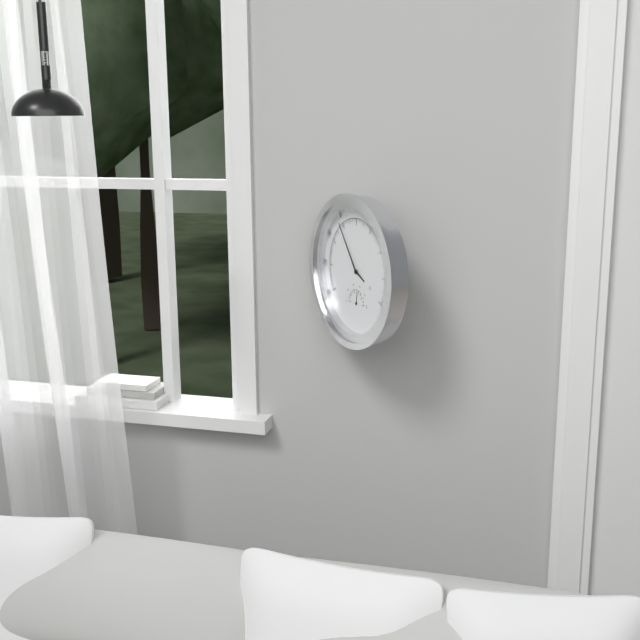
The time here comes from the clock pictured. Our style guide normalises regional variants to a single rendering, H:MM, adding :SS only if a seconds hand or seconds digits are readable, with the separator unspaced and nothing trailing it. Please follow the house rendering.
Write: 3:54
